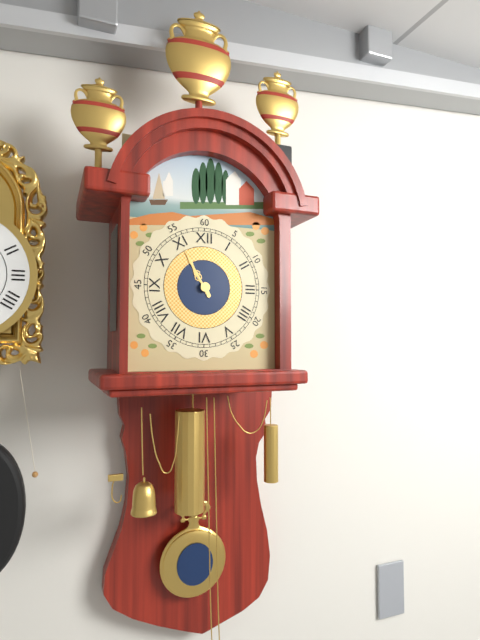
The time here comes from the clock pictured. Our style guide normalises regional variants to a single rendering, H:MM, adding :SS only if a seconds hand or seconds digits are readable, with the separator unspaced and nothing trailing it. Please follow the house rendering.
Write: 10:55
